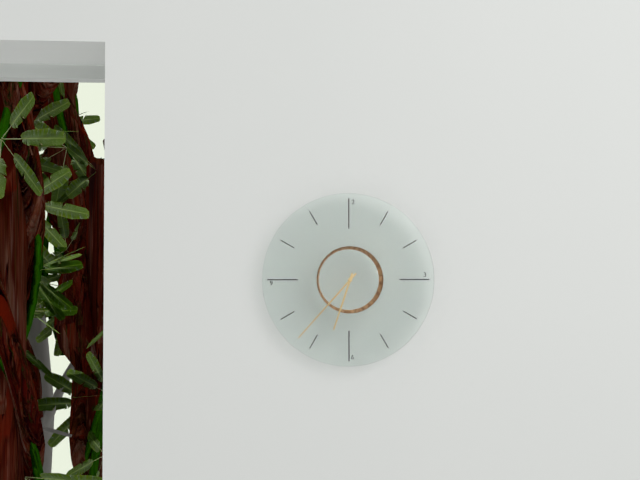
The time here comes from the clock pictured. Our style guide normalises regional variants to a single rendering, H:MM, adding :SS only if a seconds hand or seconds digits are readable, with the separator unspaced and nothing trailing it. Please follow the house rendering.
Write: 6:37
